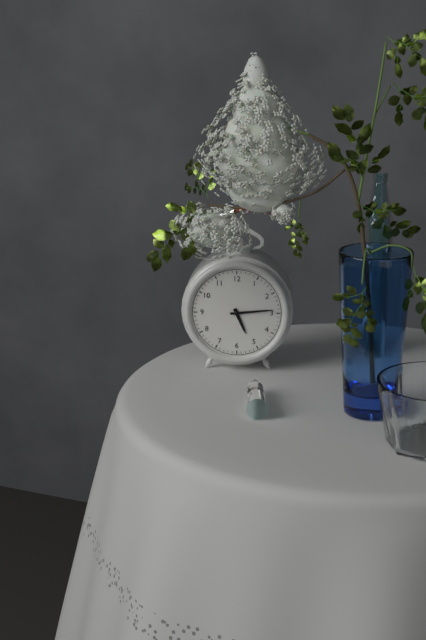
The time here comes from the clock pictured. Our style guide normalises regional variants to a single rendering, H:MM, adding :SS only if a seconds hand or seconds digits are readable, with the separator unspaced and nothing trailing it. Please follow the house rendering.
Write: 5:14
